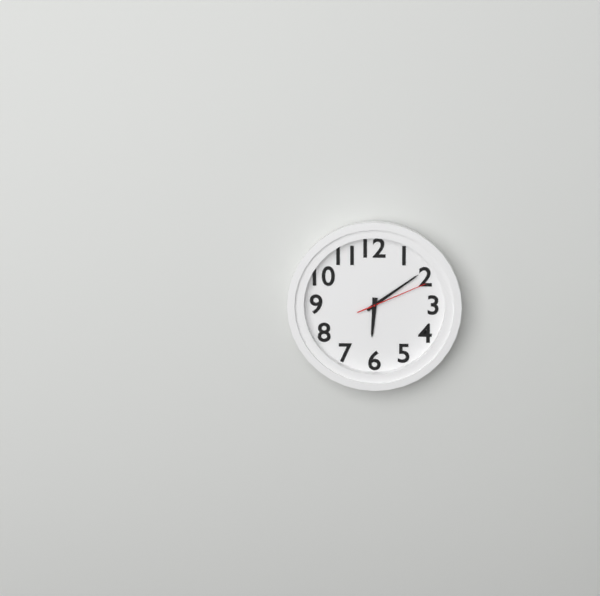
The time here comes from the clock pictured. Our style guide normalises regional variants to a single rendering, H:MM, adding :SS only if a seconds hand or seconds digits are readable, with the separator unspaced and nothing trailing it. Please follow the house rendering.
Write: 6:09:11
